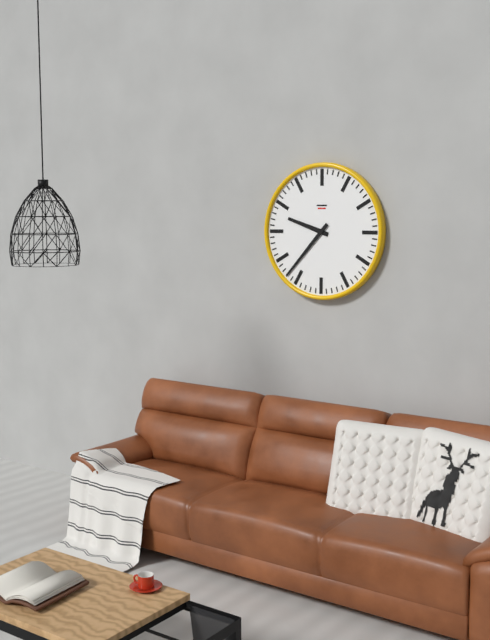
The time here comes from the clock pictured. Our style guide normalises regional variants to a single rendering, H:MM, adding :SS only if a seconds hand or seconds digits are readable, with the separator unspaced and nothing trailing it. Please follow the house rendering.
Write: 9:37
